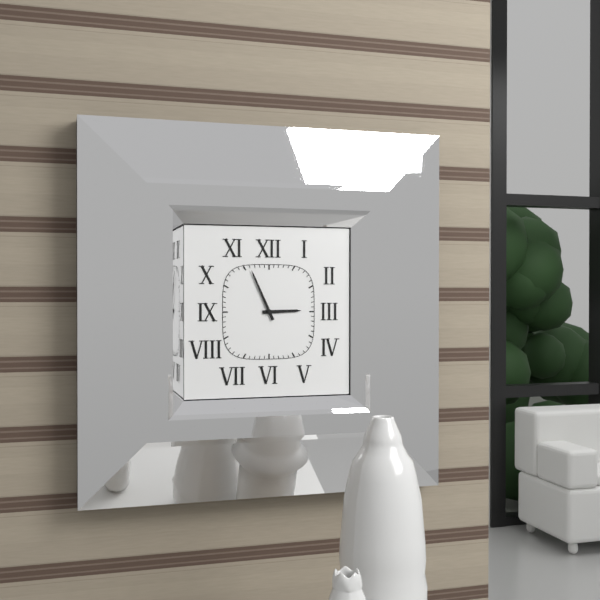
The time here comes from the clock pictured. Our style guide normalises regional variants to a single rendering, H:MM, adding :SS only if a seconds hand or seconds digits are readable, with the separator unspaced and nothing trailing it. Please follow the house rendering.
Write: 2:56
